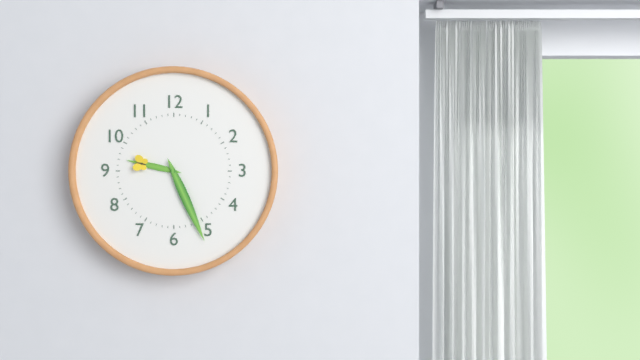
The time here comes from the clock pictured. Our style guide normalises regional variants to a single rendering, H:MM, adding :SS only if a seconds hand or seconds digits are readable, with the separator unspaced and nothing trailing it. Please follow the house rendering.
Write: 9:26
